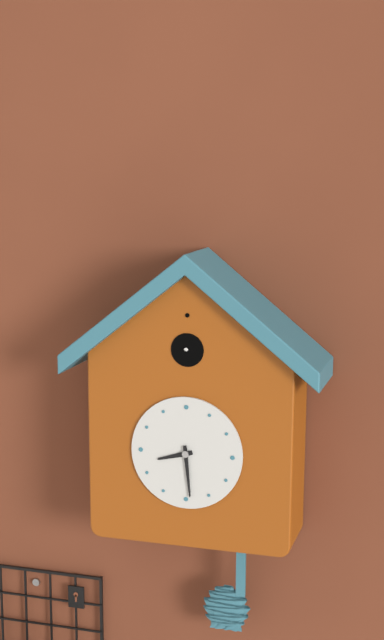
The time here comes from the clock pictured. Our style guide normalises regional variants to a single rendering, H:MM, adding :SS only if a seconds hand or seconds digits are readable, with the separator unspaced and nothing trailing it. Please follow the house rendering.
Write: 8:29
